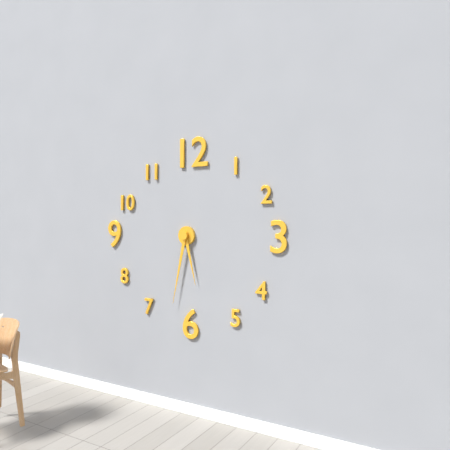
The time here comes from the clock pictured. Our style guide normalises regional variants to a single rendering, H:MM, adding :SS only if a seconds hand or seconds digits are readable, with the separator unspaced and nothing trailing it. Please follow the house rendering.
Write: 5:32
